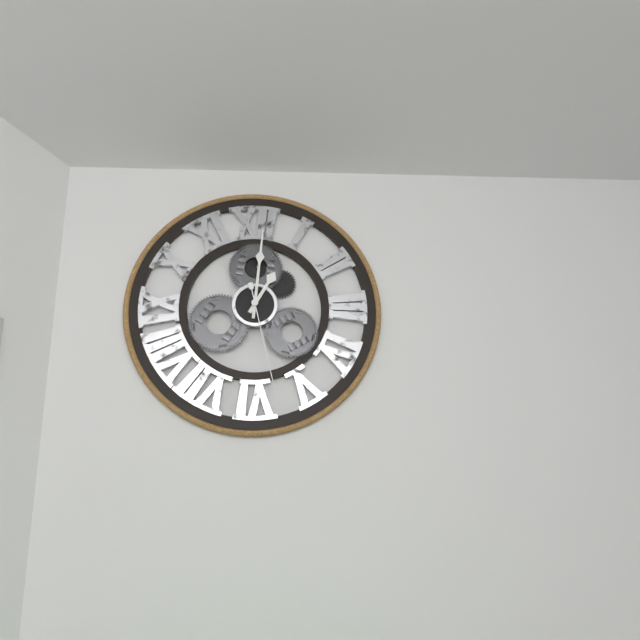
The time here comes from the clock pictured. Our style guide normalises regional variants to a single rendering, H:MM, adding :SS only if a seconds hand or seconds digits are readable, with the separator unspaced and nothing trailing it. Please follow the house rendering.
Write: 1:01:28
